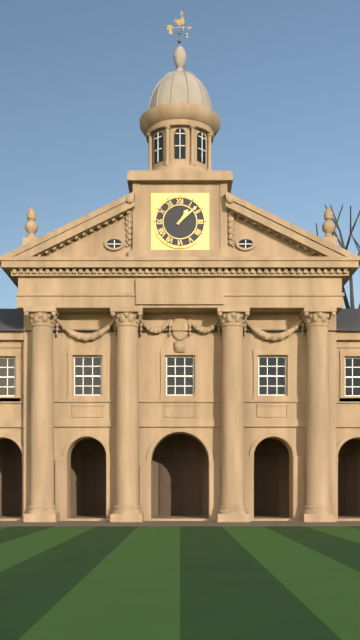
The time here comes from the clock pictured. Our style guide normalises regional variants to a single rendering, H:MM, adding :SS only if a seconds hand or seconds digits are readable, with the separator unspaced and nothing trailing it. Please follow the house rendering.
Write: 1:08
